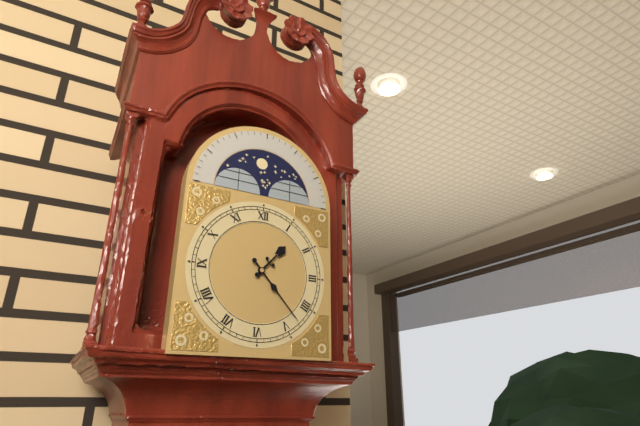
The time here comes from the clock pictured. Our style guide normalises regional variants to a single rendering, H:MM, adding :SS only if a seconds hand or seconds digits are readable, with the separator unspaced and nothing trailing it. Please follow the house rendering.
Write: 1:23
